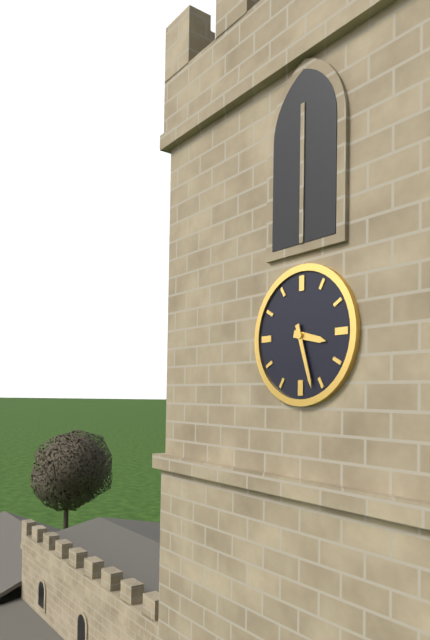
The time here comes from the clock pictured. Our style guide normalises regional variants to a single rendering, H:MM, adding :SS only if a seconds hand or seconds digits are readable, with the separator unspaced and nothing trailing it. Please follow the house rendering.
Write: 3:27
